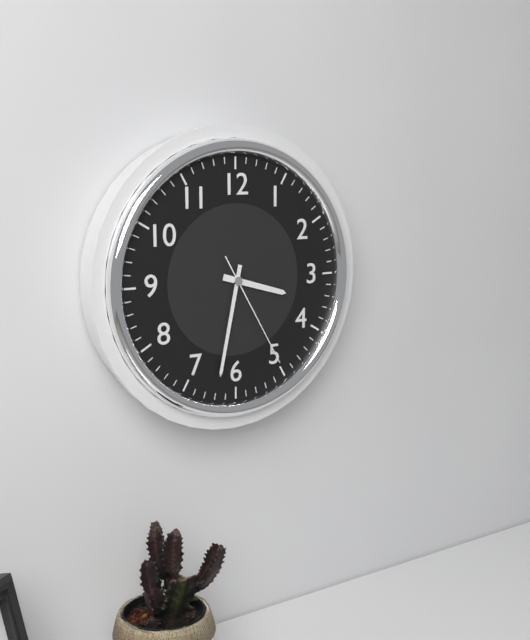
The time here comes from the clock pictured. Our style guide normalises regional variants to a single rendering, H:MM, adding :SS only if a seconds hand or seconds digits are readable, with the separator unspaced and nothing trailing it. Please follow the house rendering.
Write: 3:32:25
